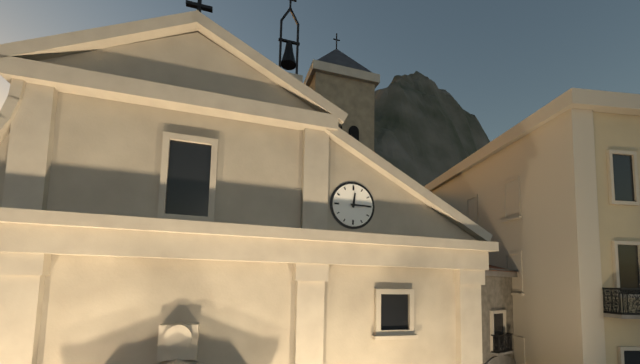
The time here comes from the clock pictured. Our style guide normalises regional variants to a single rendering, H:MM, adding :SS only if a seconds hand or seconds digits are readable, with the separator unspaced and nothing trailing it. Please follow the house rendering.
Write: 12:15
